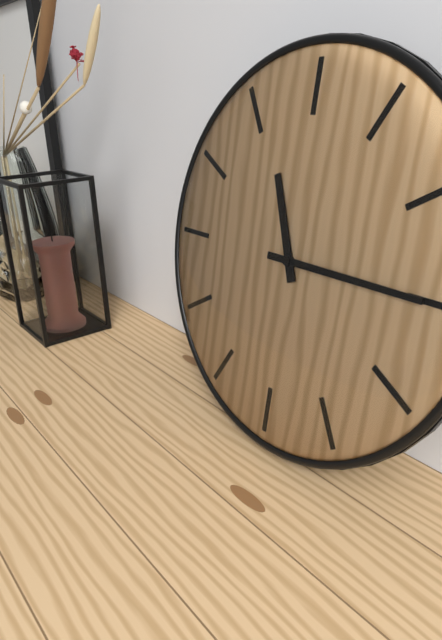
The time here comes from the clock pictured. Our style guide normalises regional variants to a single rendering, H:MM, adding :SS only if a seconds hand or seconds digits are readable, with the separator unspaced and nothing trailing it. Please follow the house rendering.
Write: 11:15
